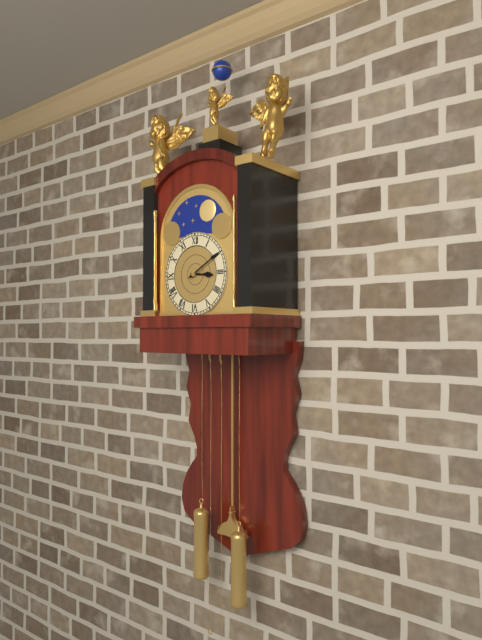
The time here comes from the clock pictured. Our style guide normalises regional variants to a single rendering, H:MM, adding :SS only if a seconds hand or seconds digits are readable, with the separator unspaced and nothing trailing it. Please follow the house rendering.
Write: 3:10
